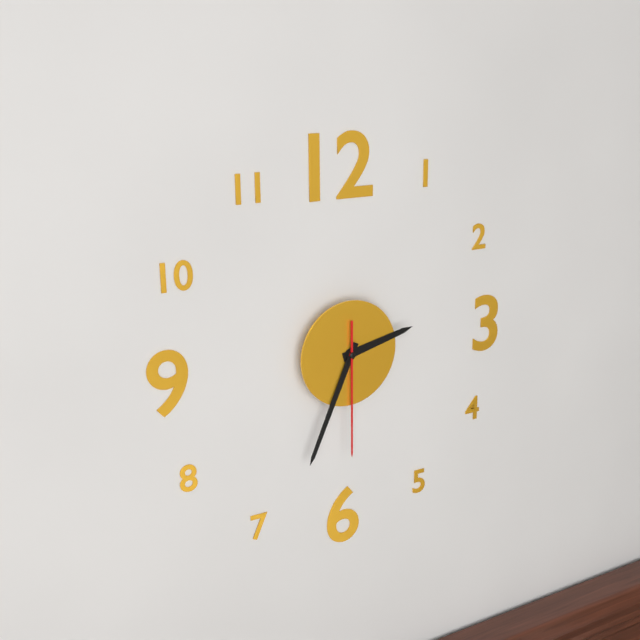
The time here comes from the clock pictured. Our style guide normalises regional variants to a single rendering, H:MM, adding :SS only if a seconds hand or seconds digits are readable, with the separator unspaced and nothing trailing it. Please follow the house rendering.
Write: 2:34:30
